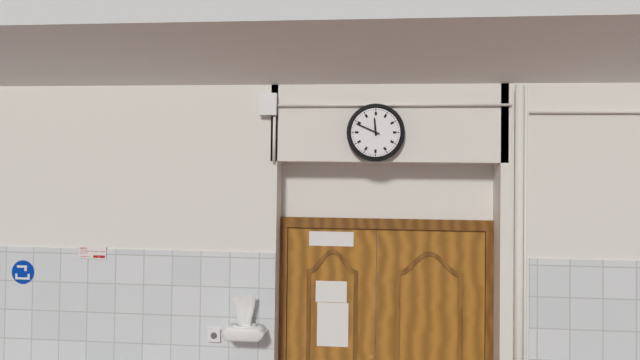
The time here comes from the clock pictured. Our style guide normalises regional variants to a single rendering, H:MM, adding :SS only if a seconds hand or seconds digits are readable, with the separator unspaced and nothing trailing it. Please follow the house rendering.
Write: 11:49
